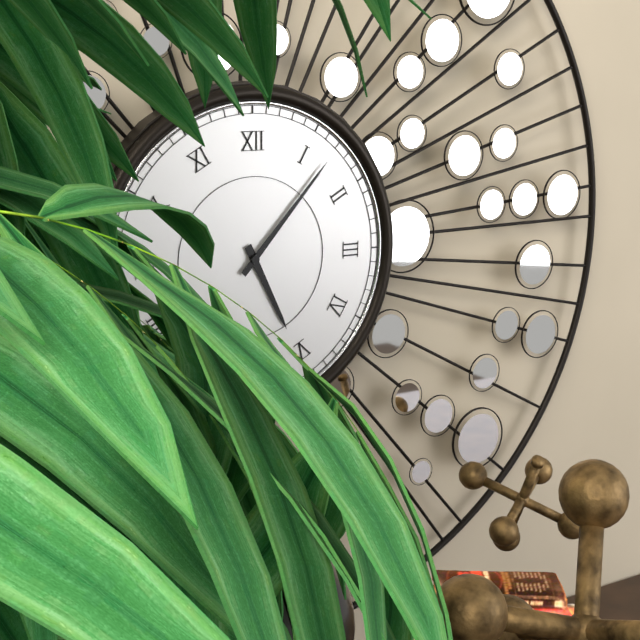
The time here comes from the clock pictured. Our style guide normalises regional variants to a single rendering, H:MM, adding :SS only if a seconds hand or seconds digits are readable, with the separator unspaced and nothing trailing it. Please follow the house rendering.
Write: 5:07
